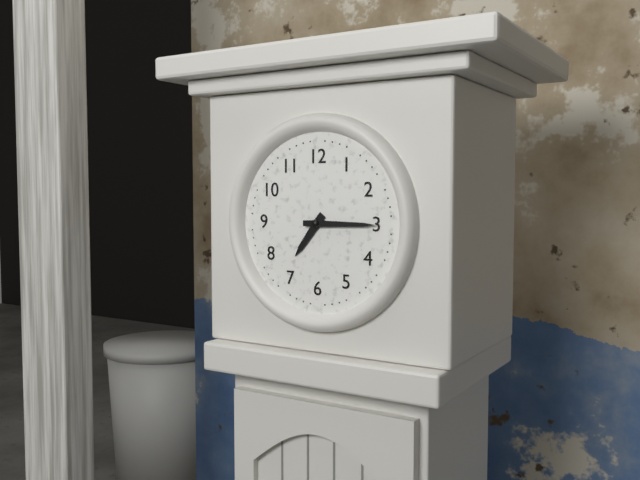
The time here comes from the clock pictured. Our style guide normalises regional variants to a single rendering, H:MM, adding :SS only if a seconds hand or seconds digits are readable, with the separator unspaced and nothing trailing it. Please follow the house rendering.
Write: 7:15
